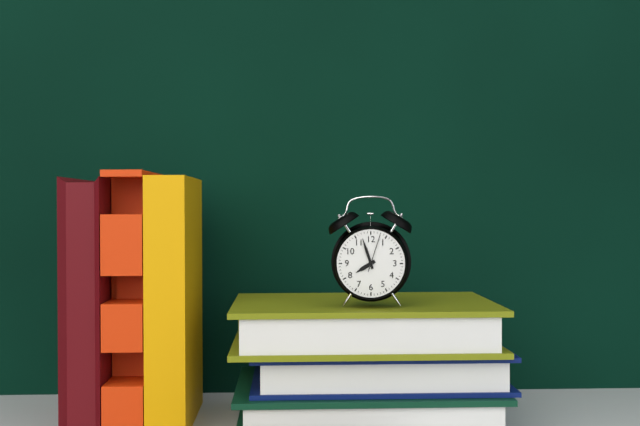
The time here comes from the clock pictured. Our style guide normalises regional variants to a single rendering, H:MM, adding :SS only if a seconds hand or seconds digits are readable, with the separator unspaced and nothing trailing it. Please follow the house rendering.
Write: 7:57
